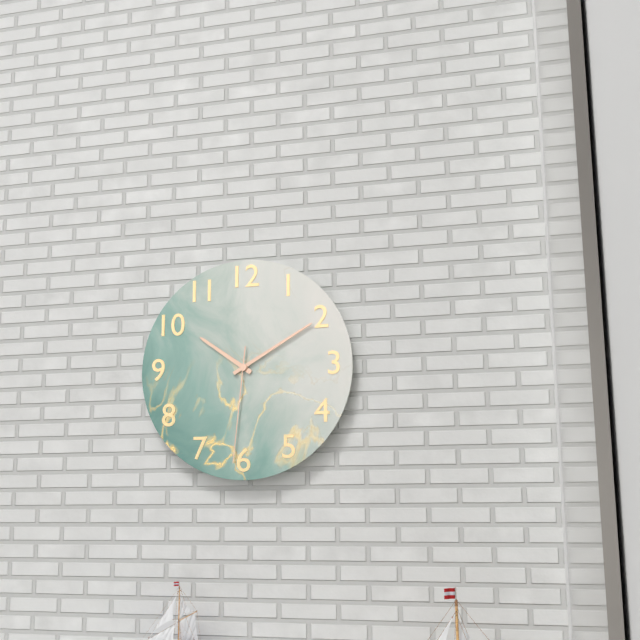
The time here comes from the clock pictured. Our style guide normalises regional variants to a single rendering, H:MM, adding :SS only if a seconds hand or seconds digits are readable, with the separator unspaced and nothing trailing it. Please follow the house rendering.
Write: 10:10:31
